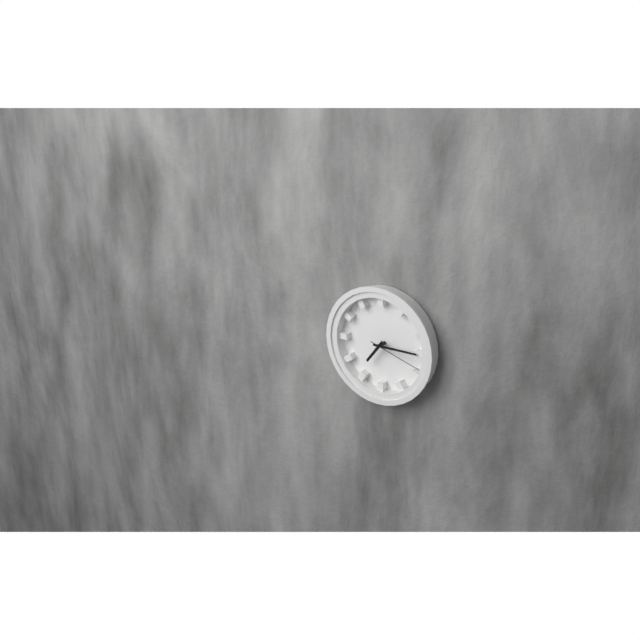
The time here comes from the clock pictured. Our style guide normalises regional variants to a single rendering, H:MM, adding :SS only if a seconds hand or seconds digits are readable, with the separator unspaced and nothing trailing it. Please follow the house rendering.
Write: 7:15:18
